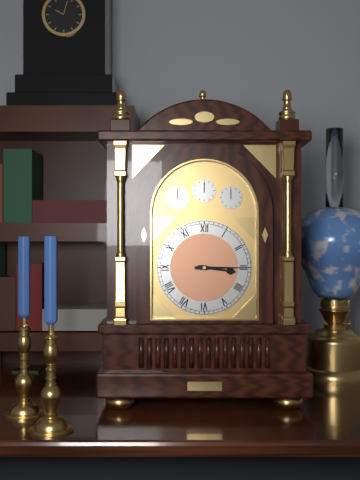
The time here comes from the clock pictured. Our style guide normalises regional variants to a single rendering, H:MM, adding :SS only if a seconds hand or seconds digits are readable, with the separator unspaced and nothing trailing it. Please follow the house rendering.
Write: 3:15
